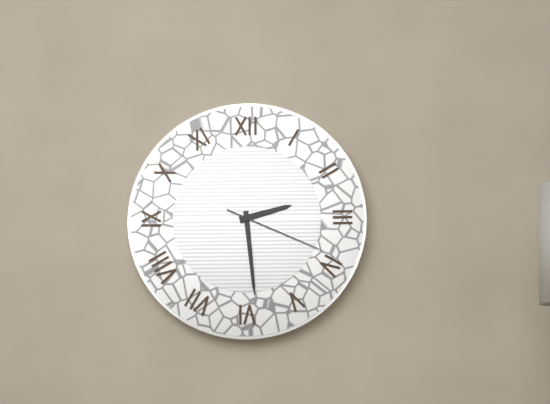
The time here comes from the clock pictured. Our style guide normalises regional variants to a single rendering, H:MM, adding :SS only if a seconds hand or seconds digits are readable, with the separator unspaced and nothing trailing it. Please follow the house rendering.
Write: 2:29:19
